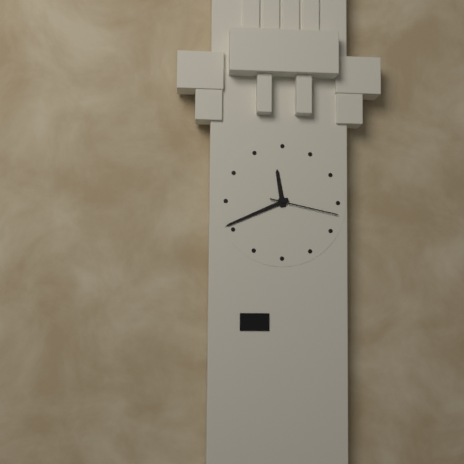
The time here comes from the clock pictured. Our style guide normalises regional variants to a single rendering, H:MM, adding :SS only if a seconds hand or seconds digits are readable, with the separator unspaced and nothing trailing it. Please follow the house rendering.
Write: 11:41:17
